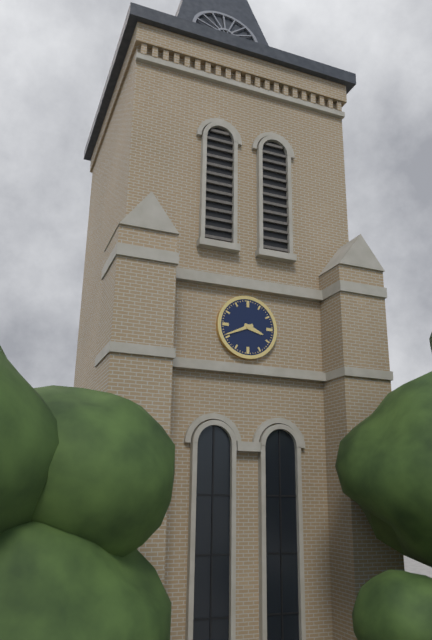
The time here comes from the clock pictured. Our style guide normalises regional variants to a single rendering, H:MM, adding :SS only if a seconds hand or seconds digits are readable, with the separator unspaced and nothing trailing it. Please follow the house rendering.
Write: 3:41
